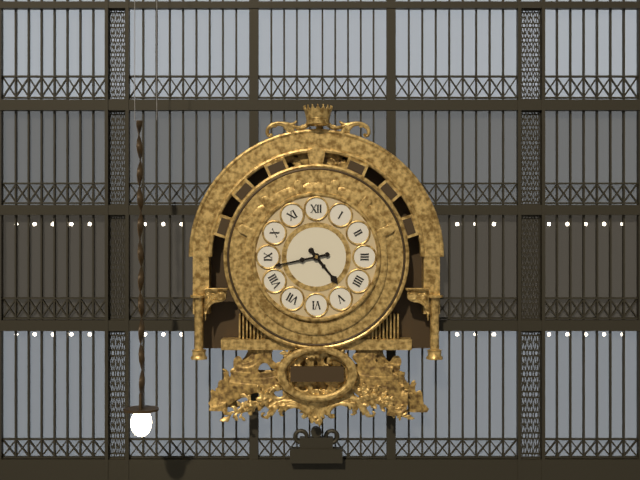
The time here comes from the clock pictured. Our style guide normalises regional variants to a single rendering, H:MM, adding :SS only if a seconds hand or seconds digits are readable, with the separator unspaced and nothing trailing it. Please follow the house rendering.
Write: 4:43
